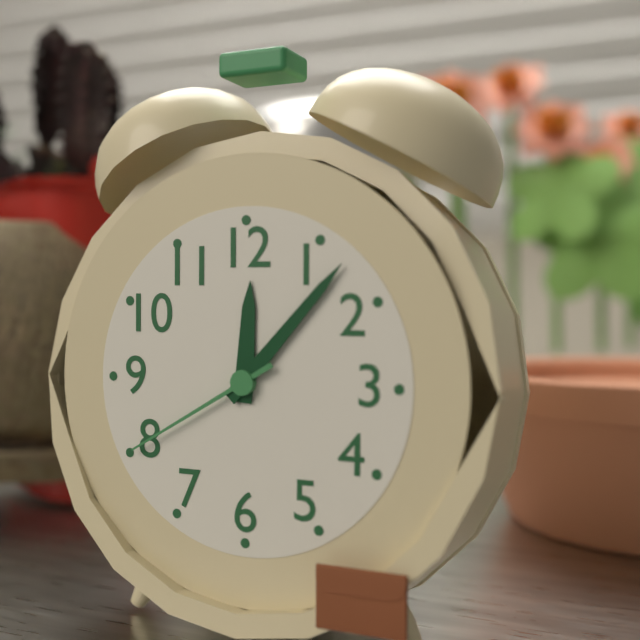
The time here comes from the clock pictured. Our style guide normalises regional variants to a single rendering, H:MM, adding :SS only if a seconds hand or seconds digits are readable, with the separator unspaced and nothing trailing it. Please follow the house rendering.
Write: 12:07:40
